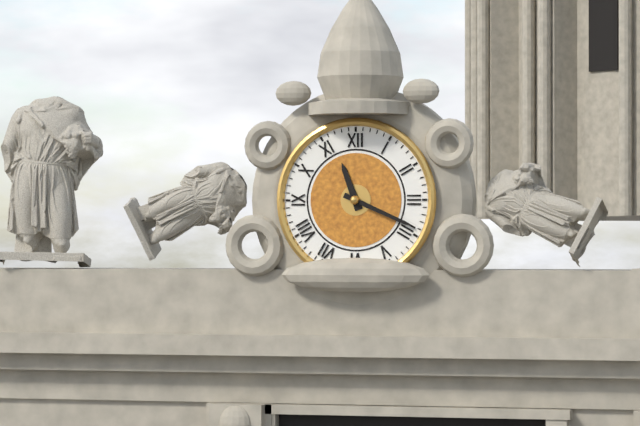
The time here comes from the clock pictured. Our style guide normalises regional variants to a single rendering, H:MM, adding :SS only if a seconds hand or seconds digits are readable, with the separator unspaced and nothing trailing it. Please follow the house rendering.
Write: 11:19
